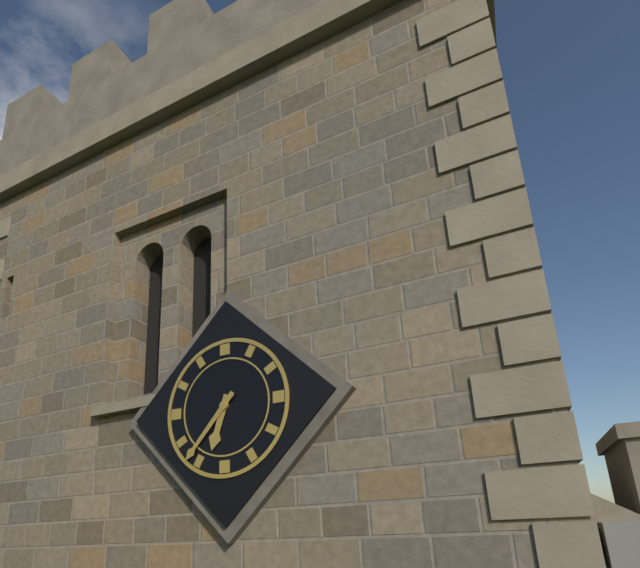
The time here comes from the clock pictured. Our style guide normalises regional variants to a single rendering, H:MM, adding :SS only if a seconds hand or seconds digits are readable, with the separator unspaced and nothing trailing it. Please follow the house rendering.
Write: 6:37
